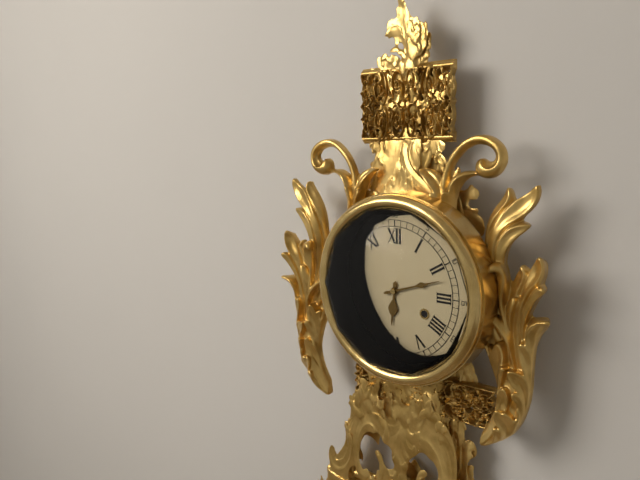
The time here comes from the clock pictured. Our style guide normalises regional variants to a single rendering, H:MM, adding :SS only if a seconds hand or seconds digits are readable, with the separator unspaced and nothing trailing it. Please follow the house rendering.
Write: 6:12
